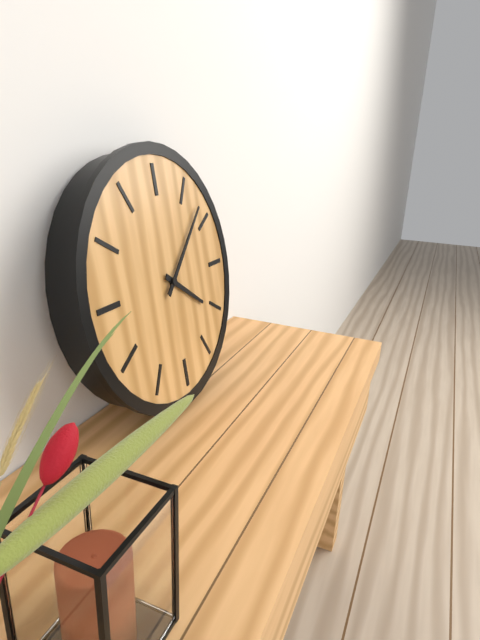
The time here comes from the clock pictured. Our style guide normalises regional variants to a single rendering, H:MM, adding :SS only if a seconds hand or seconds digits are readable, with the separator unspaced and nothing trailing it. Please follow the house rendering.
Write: 4:08
